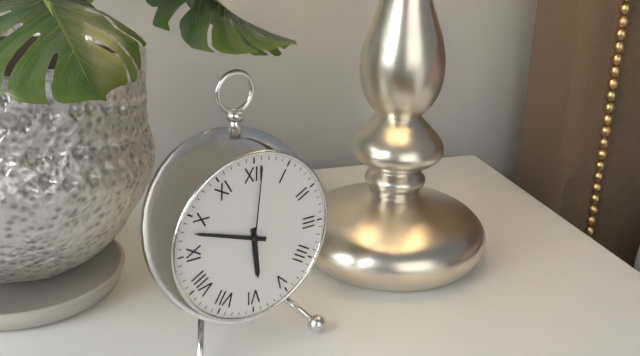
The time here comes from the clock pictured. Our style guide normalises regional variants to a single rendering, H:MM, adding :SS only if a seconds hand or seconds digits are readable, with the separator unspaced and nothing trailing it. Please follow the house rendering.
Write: 5:48:01
